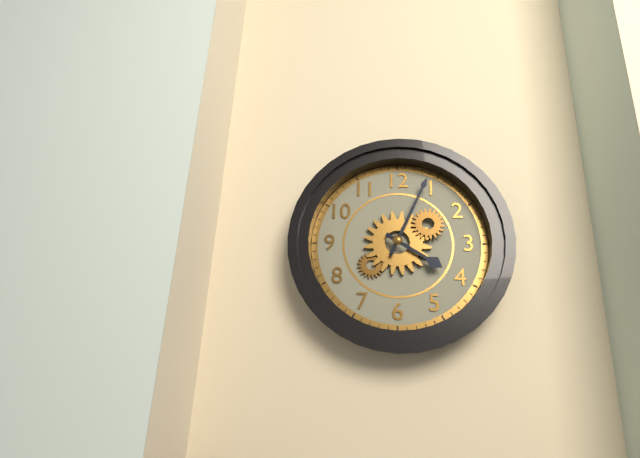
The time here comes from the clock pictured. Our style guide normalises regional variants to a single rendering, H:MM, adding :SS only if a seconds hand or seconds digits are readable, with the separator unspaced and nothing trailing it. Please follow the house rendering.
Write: 4:04
